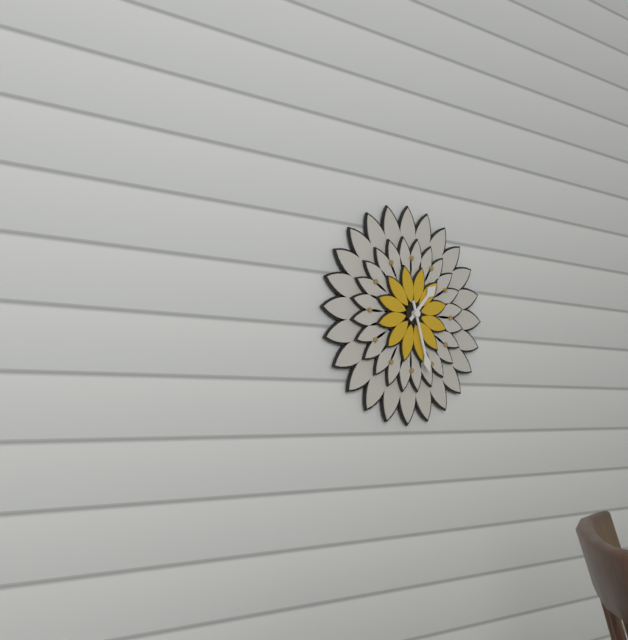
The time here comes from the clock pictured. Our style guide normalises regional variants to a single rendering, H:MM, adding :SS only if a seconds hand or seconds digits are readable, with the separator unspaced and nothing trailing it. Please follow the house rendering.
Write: 1:27
